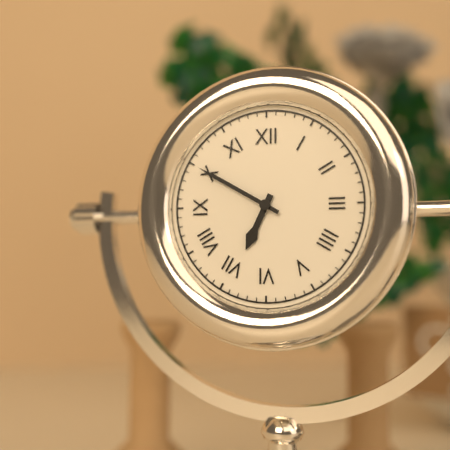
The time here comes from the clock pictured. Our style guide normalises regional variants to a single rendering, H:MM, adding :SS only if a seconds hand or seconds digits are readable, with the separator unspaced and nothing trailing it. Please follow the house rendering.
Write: 6:50
